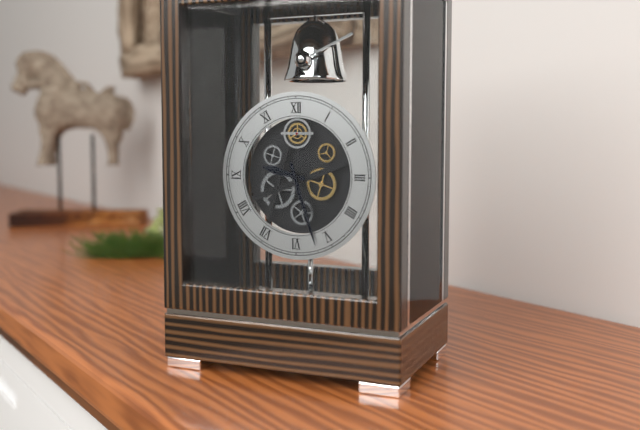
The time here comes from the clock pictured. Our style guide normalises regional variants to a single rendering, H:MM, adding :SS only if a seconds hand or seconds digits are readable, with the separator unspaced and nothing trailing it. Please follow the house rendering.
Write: 9:27
